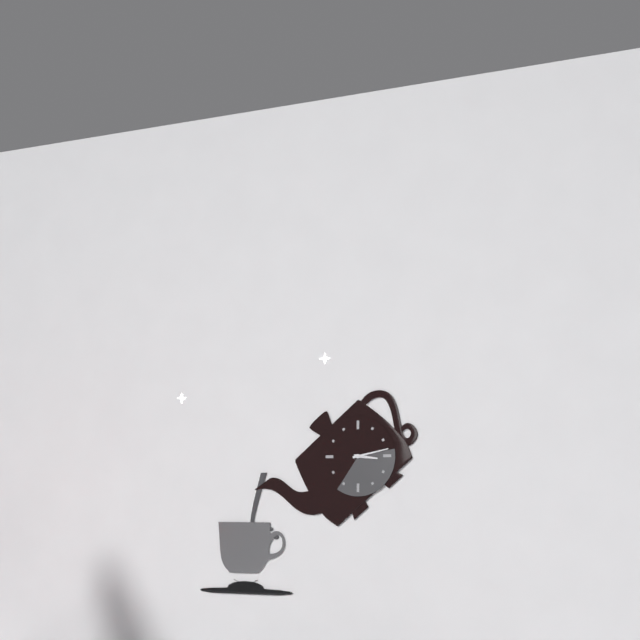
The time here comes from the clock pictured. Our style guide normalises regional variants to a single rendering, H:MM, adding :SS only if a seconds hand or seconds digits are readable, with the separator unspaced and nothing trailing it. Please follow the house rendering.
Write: 3:13
